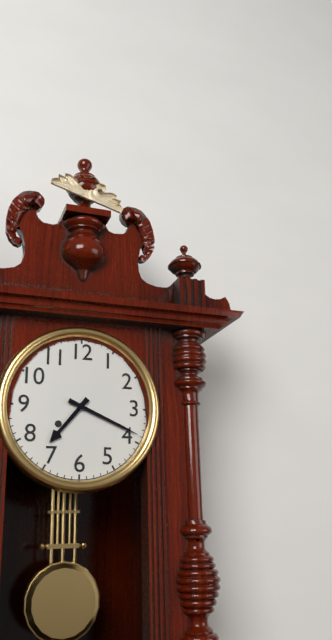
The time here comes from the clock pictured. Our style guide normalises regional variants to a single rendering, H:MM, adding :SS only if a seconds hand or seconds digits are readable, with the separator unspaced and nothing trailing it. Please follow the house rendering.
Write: 7:19
